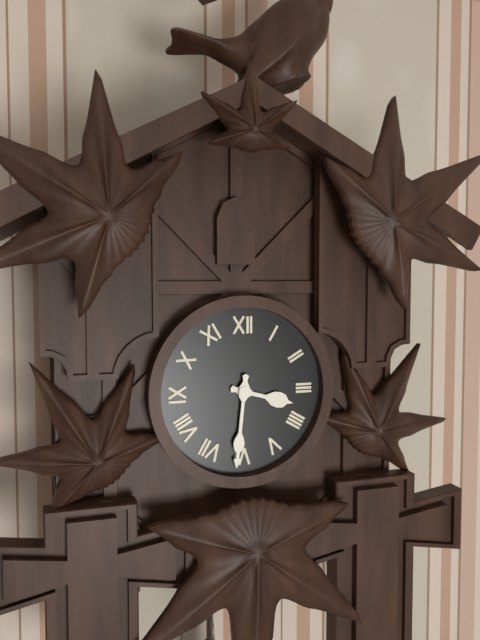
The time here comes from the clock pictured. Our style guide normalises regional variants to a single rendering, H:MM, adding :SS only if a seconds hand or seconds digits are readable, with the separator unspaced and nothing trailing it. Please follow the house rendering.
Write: 3:31
